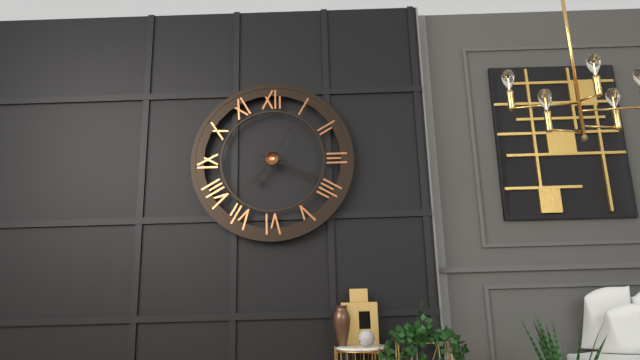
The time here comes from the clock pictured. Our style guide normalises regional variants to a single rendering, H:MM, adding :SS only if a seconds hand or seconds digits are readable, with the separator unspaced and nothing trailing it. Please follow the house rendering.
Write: 7:19:05
